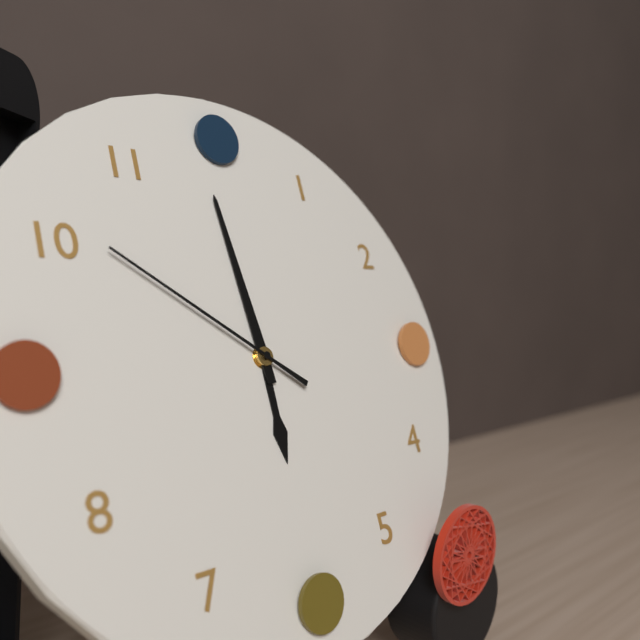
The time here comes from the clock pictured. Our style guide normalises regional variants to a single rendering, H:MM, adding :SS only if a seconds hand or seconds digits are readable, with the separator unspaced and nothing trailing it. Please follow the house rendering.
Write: 5:59:51
